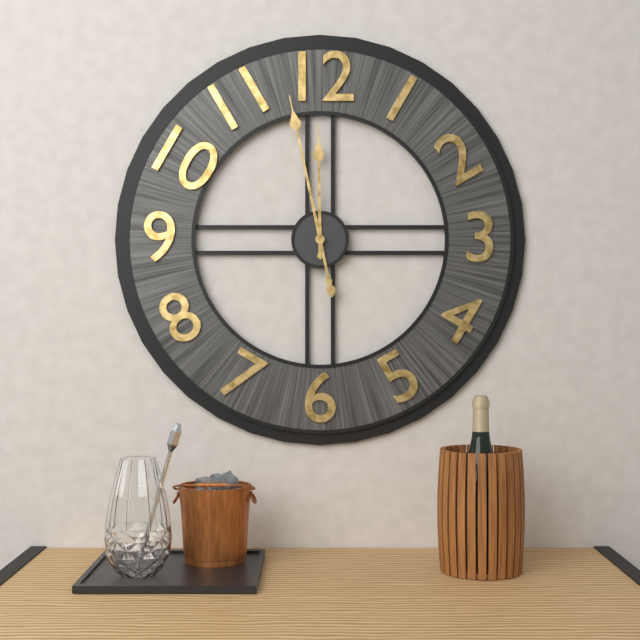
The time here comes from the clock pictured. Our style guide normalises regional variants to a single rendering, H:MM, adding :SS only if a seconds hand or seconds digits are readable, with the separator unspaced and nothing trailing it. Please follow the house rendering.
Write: 11:58
